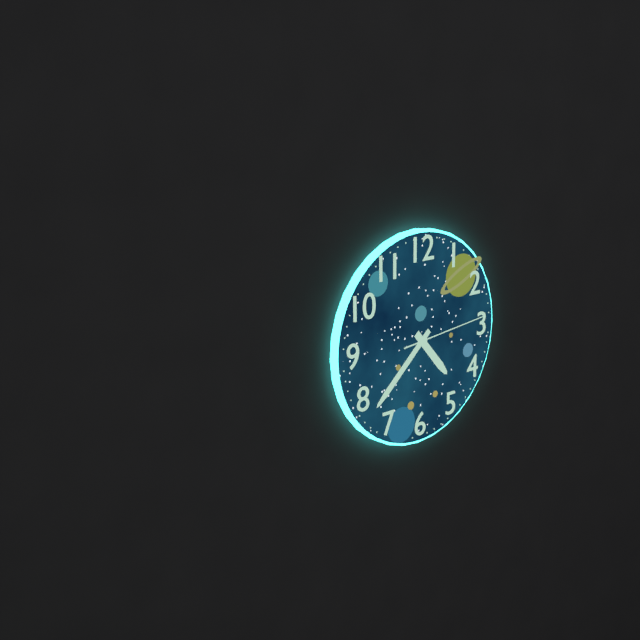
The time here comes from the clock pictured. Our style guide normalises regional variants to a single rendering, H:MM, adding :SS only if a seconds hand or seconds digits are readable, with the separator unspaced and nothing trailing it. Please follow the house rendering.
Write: 4:38:14
